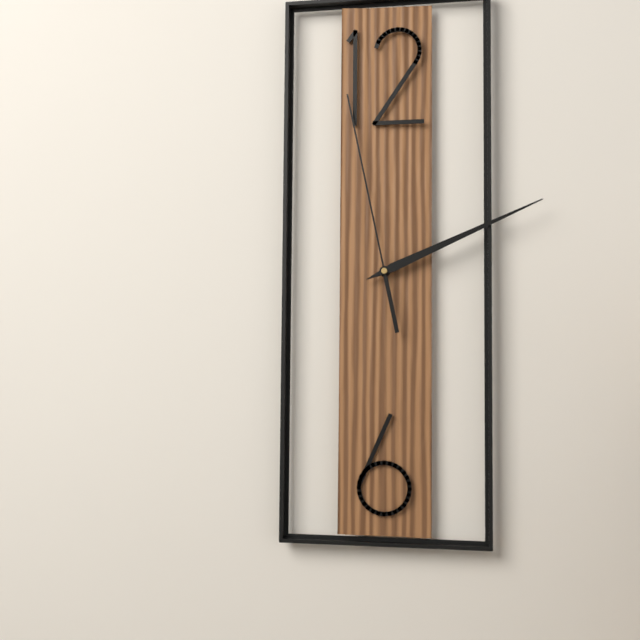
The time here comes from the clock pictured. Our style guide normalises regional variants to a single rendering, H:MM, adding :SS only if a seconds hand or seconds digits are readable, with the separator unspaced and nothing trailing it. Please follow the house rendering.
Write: 2:11:58
